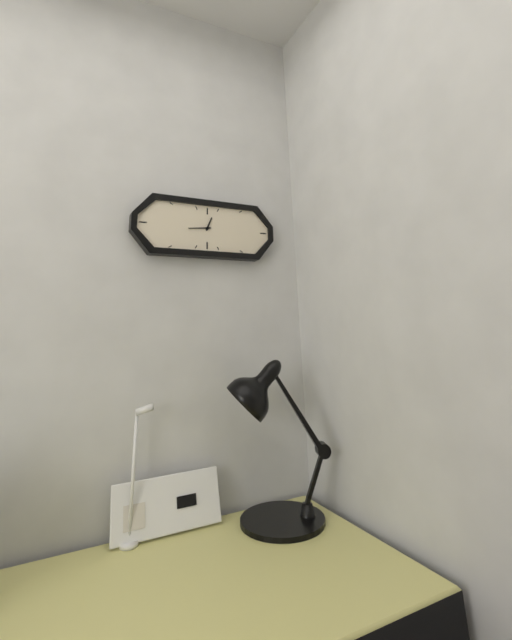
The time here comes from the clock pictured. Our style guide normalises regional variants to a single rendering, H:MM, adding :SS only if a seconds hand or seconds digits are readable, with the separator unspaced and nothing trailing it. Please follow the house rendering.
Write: 12:44
